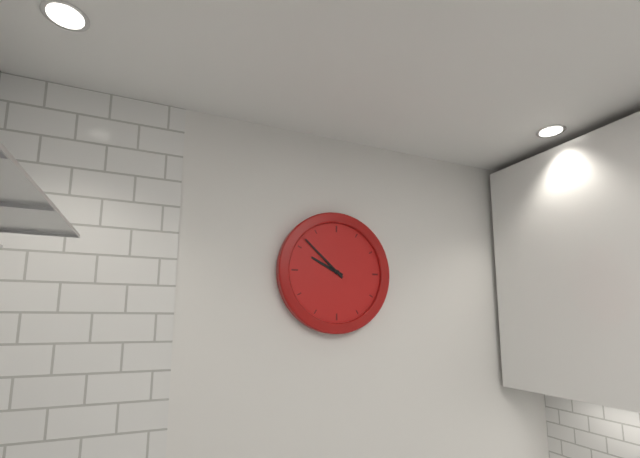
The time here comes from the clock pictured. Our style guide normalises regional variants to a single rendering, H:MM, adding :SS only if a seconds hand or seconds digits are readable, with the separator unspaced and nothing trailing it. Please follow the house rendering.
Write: 9:52
